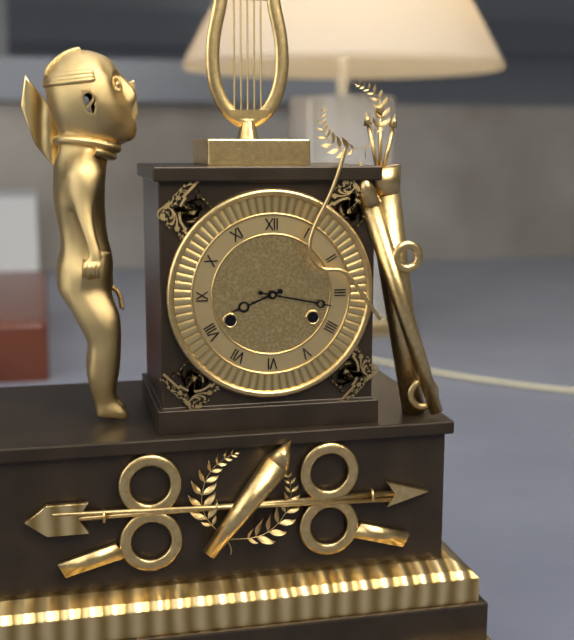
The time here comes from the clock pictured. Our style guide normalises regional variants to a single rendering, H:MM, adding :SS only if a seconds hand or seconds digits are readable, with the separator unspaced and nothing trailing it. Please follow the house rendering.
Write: 8:17
